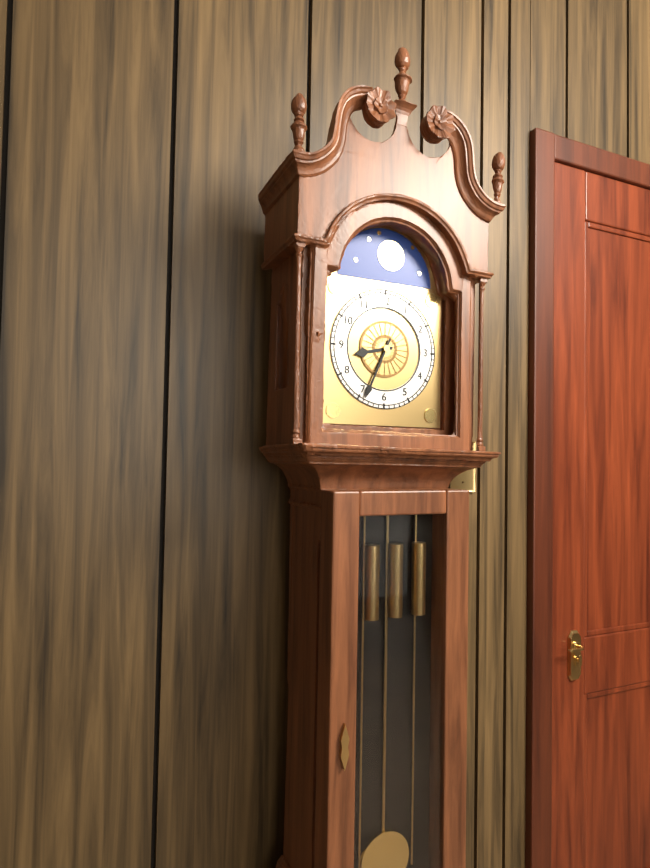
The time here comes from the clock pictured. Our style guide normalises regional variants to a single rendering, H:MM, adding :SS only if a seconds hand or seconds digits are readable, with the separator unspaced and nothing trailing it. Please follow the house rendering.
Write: 8:34
